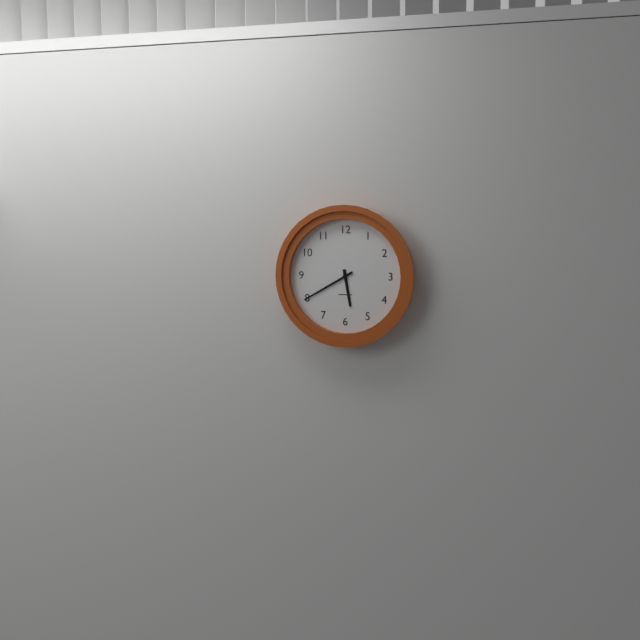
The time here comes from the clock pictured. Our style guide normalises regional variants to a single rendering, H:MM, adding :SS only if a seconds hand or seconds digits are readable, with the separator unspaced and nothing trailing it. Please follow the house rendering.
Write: 5:40
